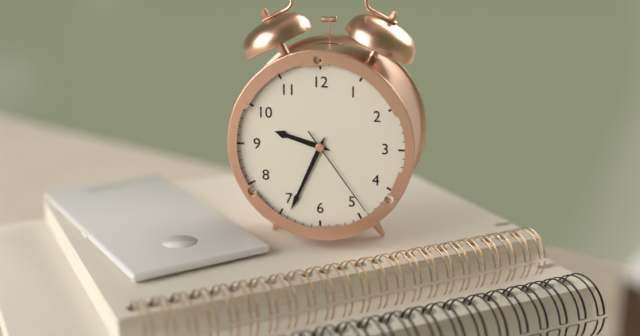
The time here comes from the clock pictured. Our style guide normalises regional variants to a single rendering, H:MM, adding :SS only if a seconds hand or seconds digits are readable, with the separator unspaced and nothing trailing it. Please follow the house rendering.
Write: 9:34:24
